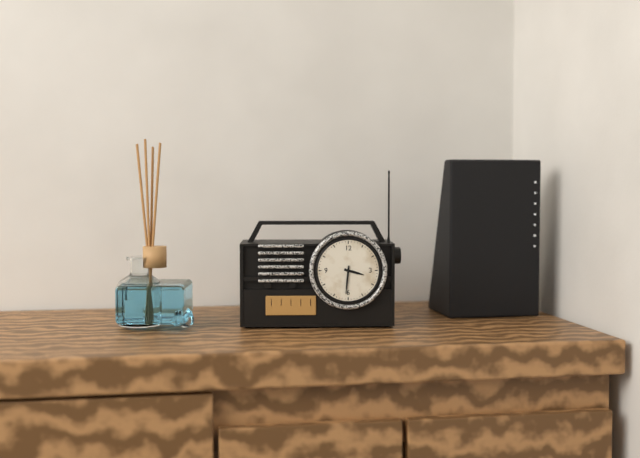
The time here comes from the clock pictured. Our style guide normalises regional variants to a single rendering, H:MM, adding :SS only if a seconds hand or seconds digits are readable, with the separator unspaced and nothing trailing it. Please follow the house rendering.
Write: 3:31
